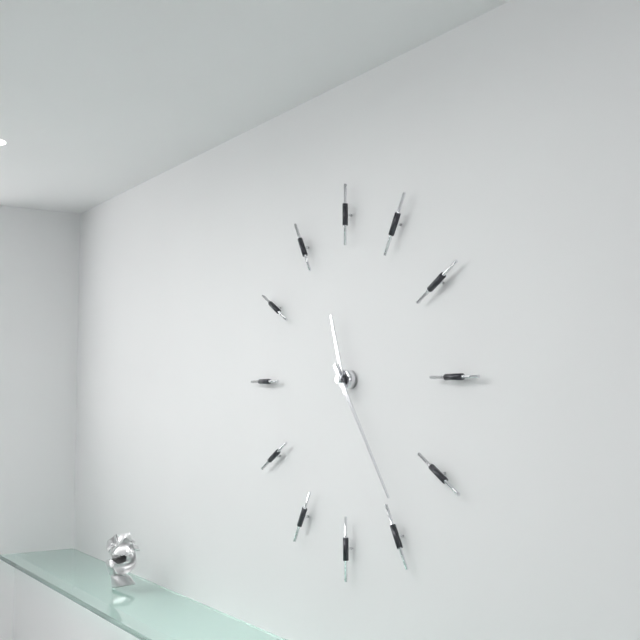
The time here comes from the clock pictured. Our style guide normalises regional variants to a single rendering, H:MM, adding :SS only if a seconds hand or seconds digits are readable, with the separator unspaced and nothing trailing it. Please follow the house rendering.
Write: 11:24
